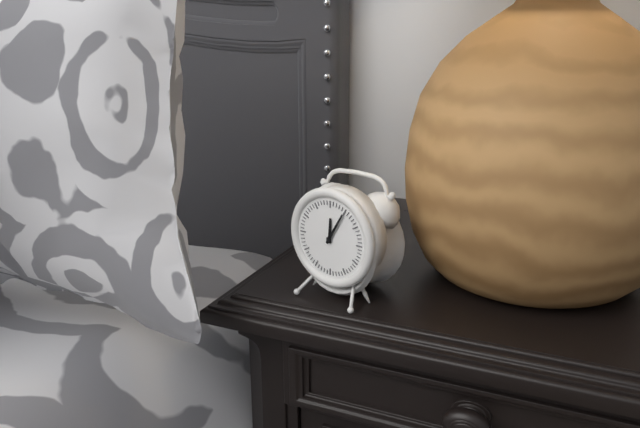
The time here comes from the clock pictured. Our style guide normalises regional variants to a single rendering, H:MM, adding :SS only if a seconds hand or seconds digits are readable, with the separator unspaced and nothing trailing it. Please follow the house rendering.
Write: 12:05
